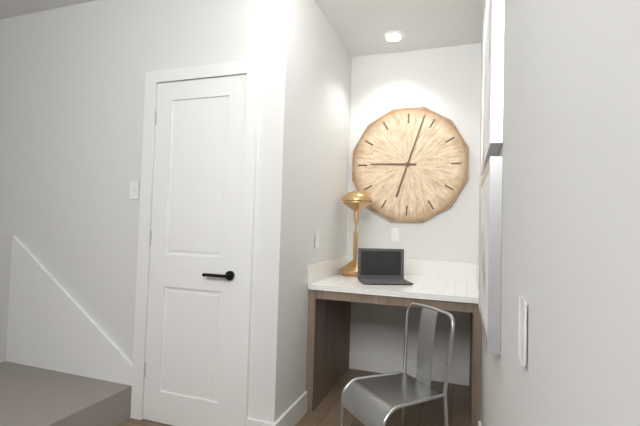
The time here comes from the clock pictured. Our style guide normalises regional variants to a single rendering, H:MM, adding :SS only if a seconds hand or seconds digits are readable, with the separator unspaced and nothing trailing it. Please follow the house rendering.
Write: 9:03
